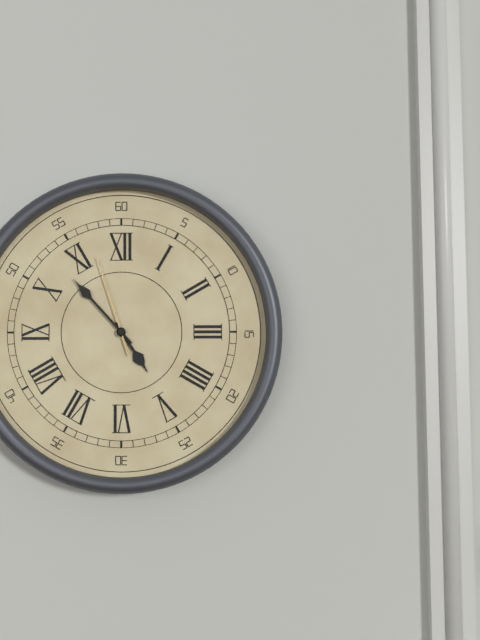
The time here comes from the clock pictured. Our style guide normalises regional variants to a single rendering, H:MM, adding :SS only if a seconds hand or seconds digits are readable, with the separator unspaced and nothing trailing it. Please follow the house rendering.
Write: 4:53:57
